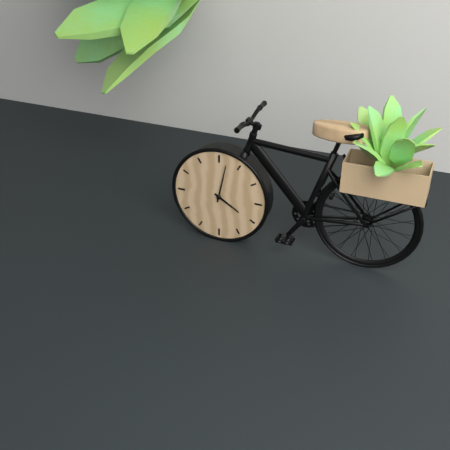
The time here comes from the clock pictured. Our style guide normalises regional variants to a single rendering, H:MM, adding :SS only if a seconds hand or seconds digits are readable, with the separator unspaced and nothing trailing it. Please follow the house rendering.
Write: 4:02
